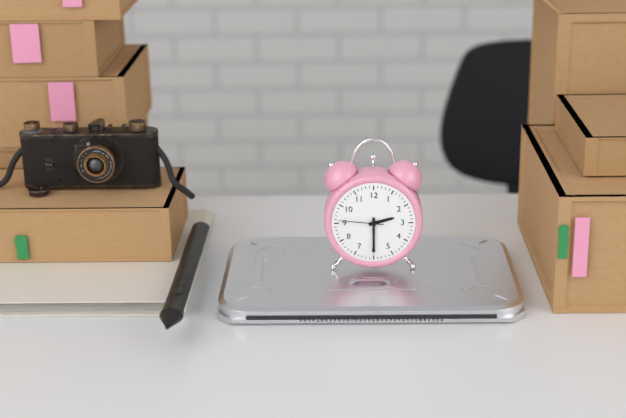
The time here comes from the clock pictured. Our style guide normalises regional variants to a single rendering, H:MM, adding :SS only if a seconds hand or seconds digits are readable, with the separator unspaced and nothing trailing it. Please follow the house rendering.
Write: 2:30
